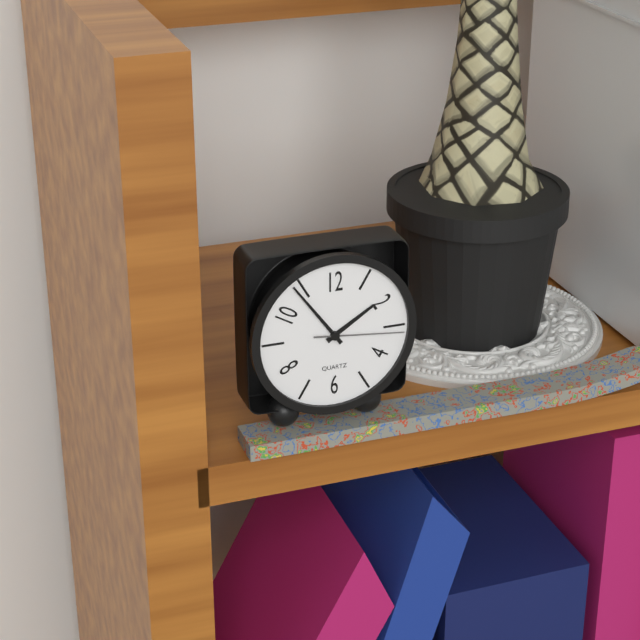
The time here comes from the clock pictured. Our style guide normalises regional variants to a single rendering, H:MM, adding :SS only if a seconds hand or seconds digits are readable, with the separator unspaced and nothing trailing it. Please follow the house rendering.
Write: 1:54:16
